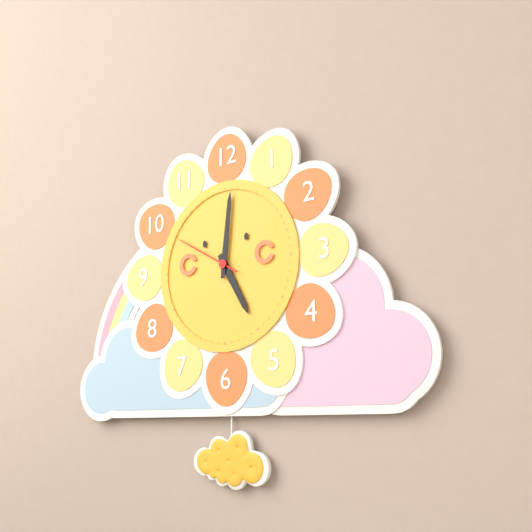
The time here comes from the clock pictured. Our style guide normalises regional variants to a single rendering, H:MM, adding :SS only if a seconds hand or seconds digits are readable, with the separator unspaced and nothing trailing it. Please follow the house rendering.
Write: 5:01:50
